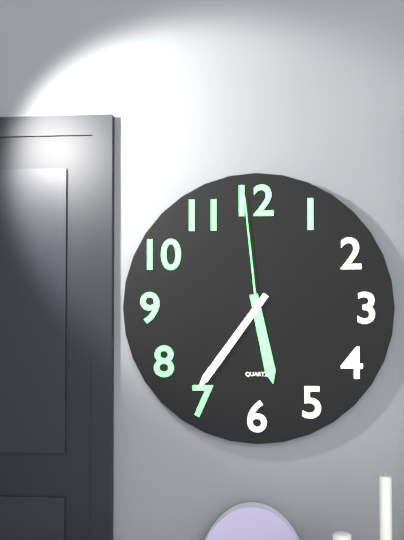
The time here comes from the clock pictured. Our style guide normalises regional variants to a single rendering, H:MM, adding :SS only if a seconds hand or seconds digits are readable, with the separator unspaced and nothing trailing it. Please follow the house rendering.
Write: 5:36:59
